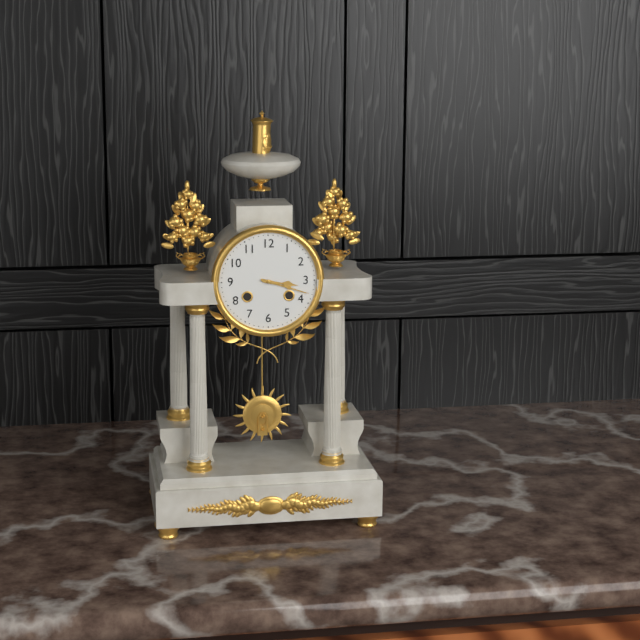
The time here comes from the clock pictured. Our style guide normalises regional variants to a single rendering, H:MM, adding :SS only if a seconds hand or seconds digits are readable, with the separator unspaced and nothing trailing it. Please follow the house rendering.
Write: 3:18
